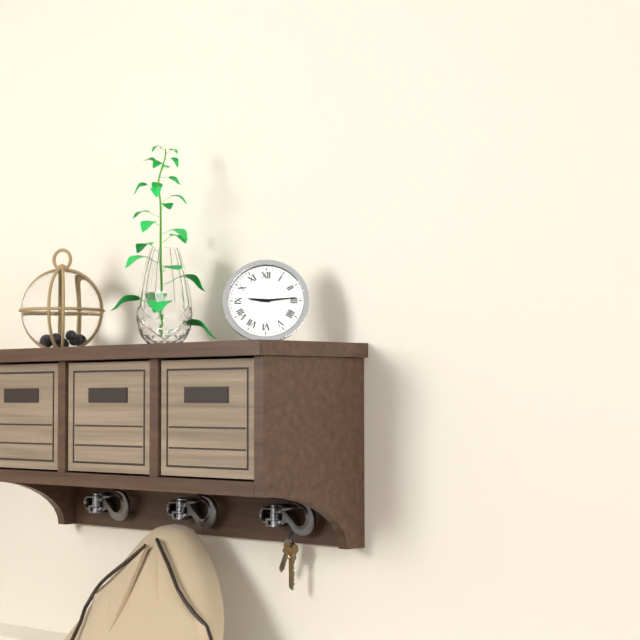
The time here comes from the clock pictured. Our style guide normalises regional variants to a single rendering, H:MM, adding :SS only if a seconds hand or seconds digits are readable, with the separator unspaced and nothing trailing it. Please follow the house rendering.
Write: 9:14
